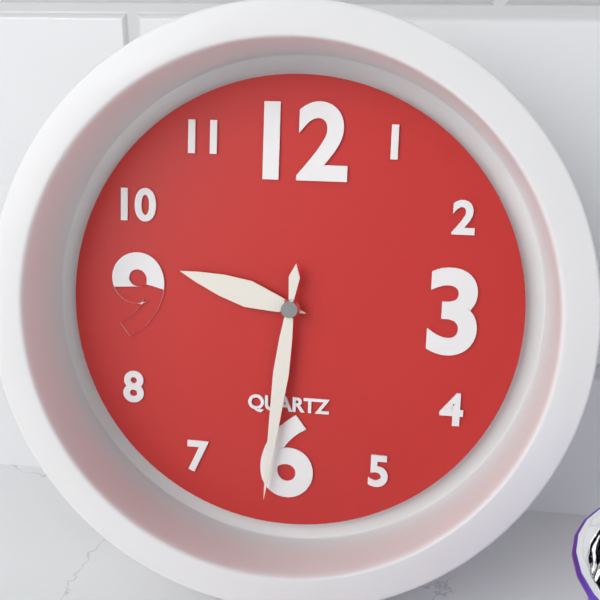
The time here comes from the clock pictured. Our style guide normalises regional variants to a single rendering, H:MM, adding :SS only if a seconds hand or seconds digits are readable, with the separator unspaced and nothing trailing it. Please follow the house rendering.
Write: 9:31
